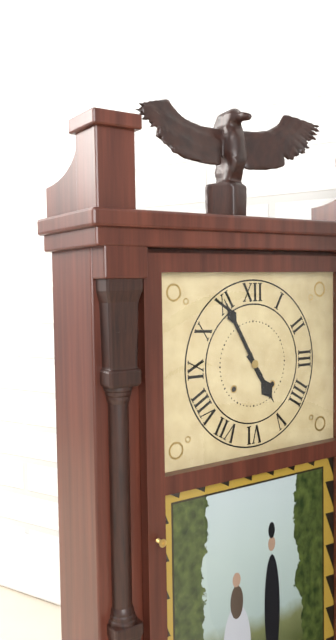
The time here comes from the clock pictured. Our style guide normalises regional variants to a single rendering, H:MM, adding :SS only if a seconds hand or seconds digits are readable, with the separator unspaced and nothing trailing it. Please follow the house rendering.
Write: 4:55
